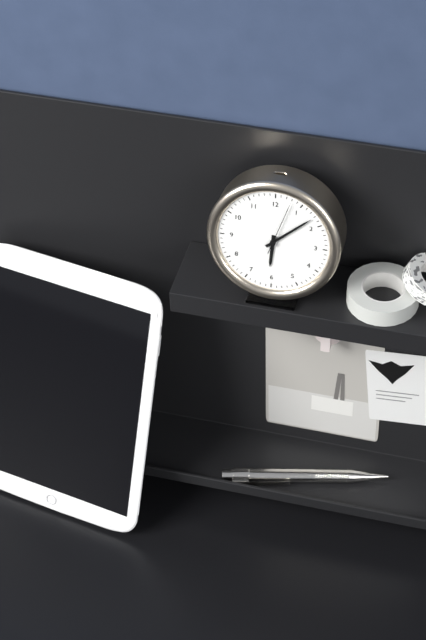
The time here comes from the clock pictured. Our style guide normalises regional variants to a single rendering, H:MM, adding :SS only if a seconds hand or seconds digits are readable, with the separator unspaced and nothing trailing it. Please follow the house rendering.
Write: 6:08:03
